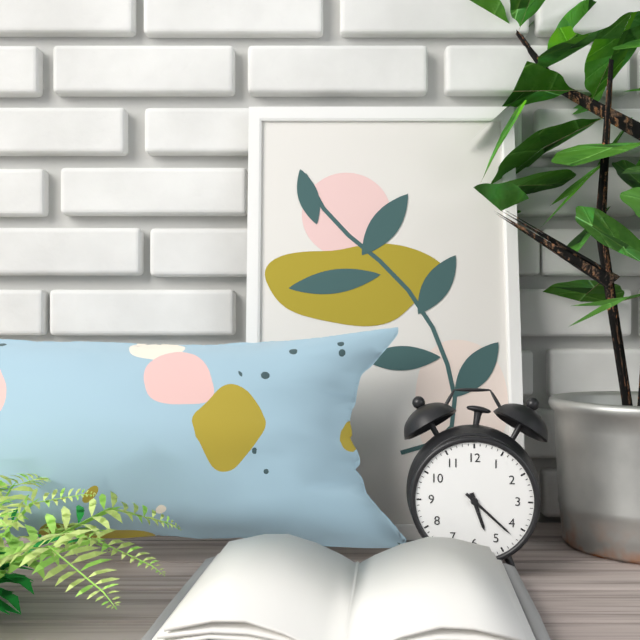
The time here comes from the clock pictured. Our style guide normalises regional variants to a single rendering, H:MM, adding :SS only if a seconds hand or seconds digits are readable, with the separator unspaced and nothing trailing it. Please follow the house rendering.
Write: 5:22
